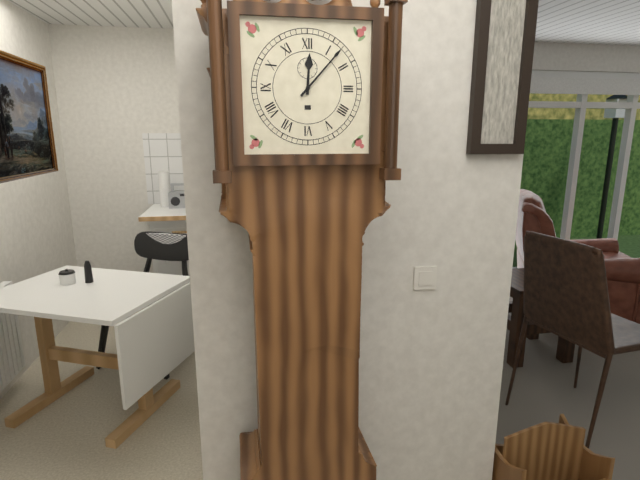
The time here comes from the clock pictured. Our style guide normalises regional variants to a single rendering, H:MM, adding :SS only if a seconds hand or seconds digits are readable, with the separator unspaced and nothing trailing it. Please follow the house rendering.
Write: 12:07
